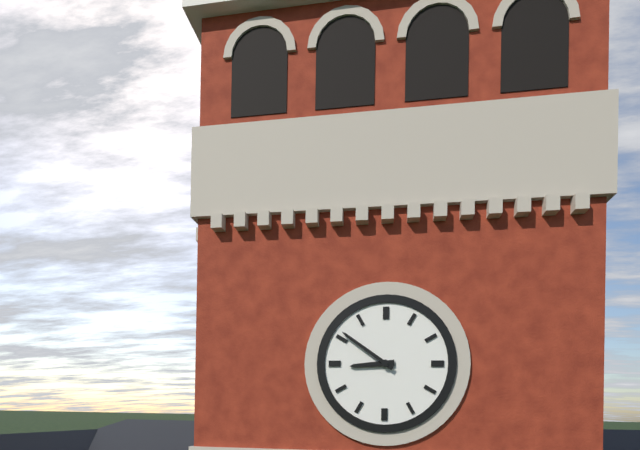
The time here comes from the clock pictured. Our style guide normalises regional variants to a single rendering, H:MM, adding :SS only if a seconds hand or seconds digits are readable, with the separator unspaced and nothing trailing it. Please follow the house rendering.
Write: 8:51
